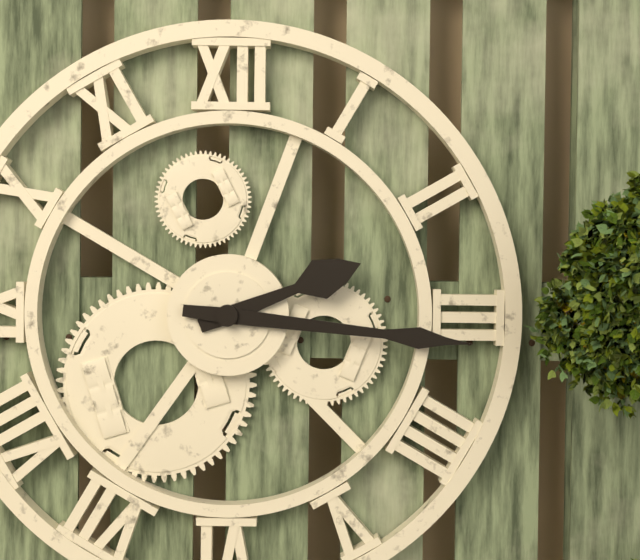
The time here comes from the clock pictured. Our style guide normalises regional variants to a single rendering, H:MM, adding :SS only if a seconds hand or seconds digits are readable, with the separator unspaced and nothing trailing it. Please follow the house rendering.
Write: 2:16
